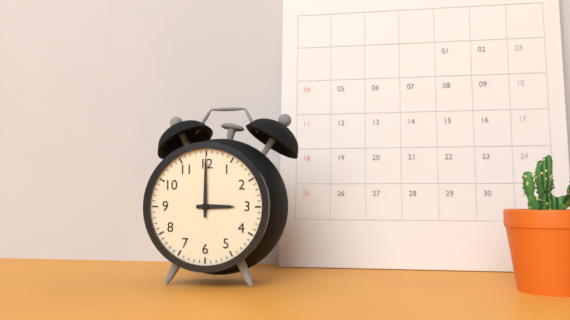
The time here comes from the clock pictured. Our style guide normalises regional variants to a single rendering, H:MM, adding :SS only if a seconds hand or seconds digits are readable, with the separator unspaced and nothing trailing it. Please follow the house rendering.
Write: 3:00
